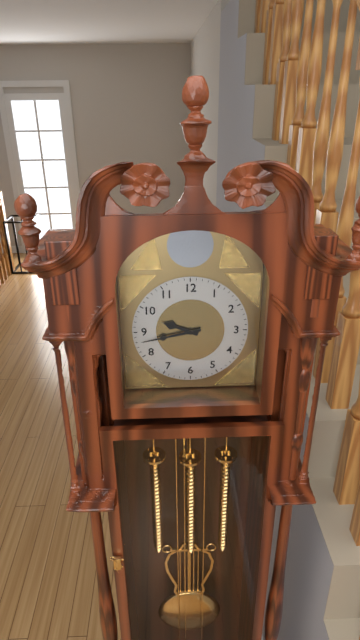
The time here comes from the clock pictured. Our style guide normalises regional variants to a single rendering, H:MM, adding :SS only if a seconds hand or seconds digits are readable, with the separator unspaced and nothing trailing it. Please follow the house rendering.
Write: 9:43
